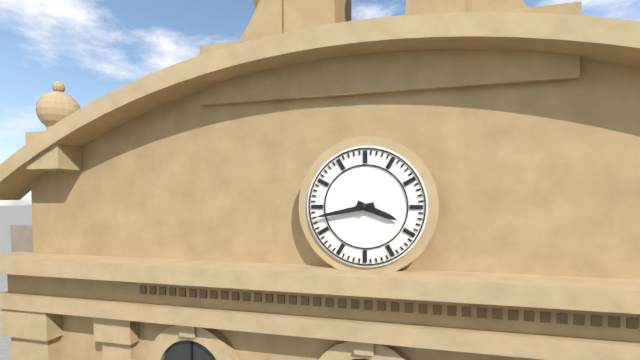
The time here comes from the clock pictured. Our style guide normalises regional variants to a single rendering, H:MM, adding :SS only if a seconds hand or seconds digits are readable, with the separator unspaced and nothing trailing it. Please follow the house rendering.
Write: 3:43
